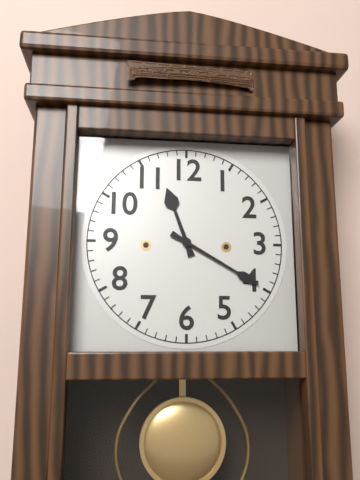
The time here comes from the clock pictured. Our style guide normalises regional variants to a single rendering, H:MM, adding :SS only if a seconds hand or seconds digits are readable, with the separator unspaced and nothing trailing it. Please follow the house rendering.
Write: 11:20
